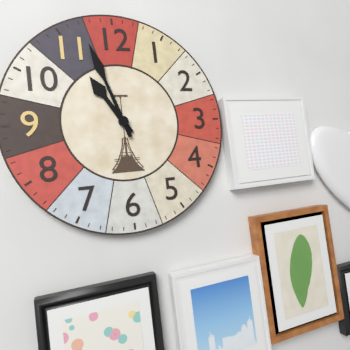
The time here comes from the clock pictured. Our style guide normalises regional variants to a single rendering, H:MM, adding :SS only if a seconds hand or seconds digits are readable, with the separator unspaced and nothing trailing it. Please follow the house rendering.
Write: 10:57
